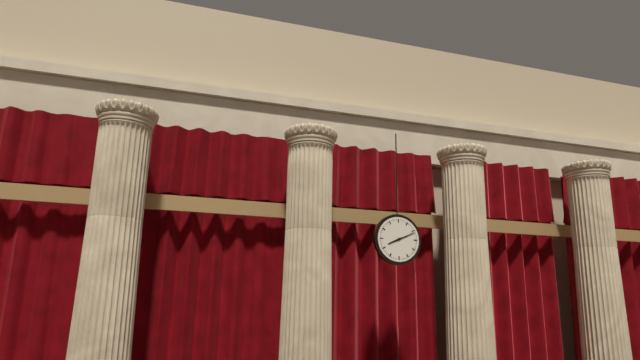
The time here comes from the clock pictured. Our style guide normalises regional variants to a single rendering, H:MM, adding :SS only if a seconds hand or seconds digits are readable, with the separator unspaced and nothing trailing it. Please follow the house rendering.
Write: 8:11
